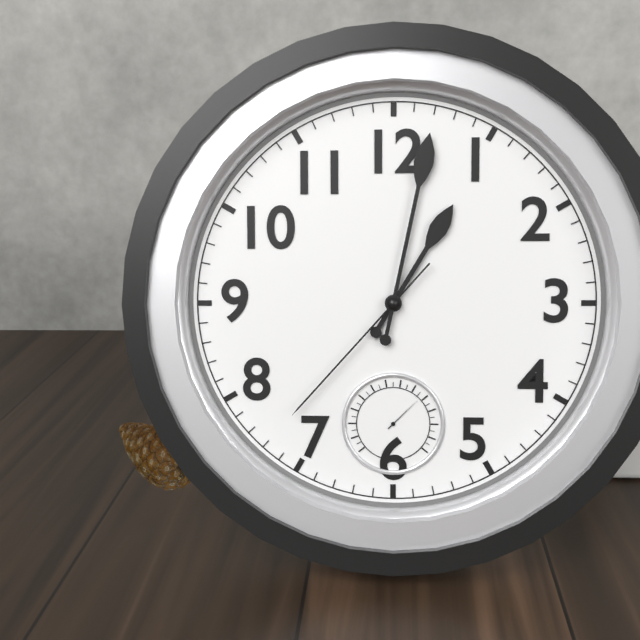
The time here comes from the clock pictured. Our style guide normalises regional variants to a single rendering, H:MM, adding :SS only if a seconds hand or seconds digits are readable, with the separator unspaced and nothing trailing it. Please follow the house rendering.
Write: 1:02:37
